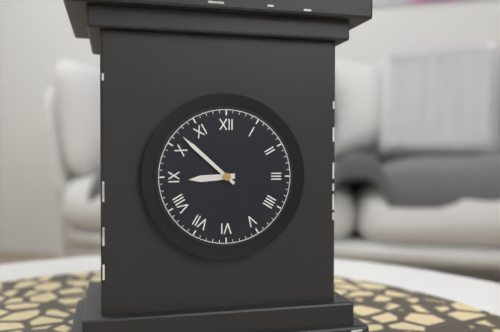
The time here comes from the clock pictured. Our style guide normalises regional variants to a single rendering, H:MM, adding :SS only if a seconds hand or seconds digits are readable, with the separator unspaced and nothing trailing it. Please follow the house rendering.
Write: 8:52
